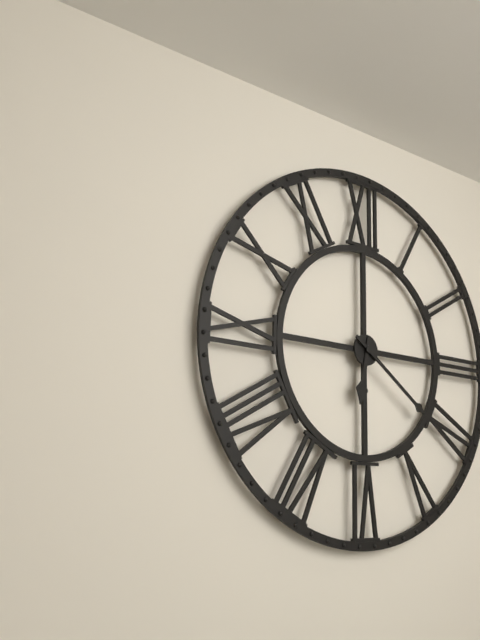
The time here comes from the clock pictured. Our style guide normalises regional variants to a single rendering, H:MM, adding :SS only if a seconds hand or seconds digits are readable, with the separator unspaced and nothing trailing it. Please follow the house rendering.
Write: 6:21
